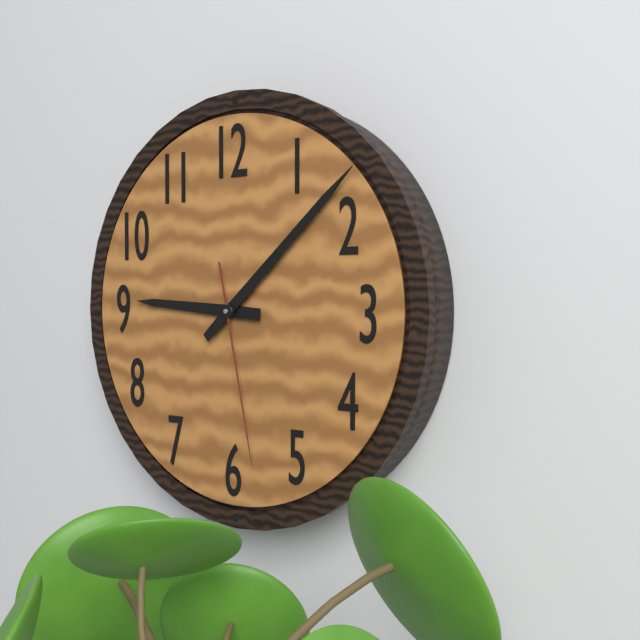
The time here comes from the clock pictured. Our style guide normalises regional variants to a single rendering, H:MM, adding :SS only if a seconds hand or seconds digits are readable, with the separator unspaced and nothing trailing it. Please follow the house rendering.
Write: 9:08:28
